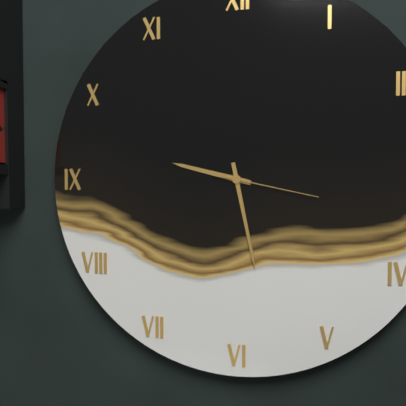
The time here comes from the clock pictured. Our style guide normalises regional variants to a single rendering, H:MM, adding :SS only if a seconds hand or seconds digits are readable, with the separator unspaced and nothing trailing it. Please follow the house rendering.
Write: 9:28:17
